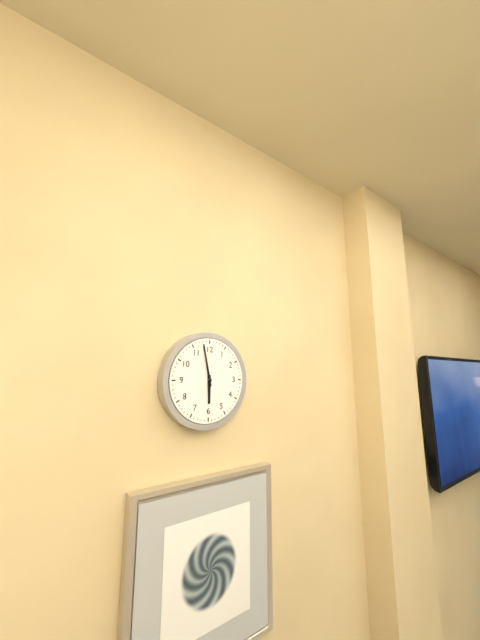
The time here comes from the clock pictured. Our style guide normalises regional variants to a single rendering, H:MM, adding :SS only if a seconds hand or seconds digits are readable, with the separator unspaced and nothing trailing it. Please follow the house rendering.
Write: 5:58
